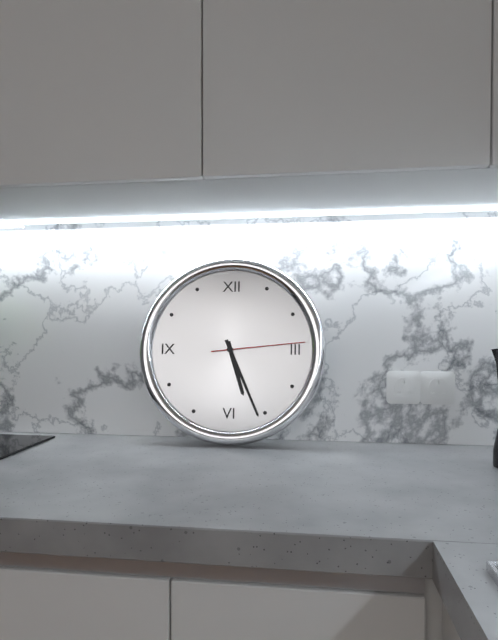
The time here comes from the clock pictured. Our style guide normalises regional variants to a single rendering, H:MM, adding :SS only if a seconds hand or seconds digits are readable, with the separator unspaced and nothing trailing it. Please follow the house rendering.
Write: 5:26:14
